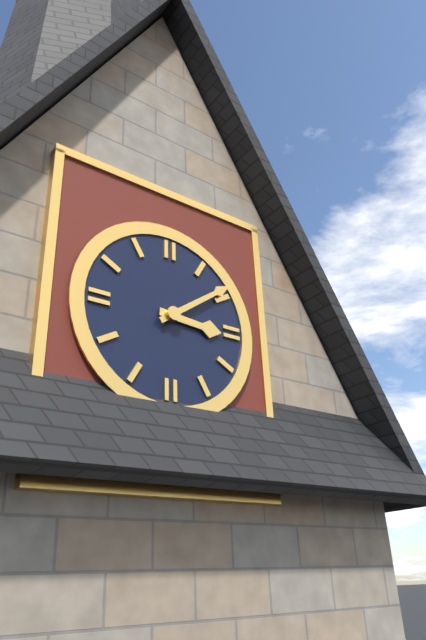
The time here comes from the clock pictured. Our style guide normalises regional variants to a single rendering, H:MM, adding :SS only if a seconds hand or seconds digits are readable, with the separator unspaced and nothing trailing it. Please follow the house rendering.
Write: 3:09
